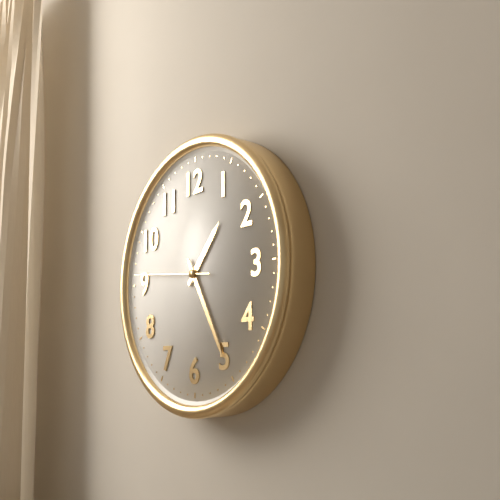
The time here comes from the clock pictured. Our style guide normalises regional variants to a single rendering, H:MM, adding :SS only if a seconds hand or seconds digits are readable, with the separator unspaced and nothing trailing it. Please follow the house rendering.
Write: 1:25:46
